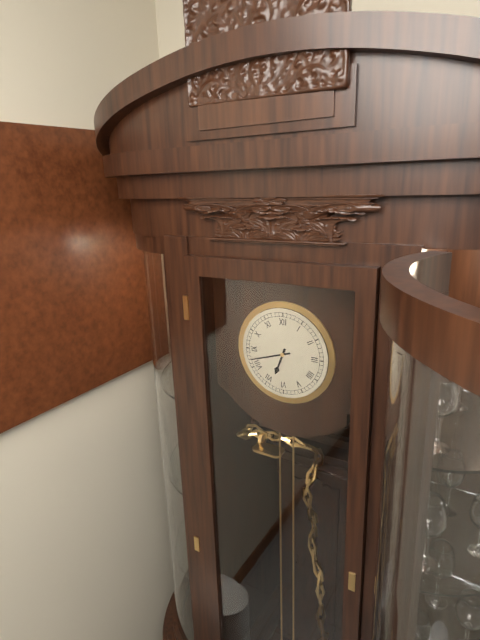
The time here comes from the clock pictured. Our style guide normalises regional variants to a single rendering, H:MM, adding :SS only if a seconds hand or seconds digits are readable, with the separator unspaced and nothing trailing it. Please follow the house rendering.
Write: 6:42
